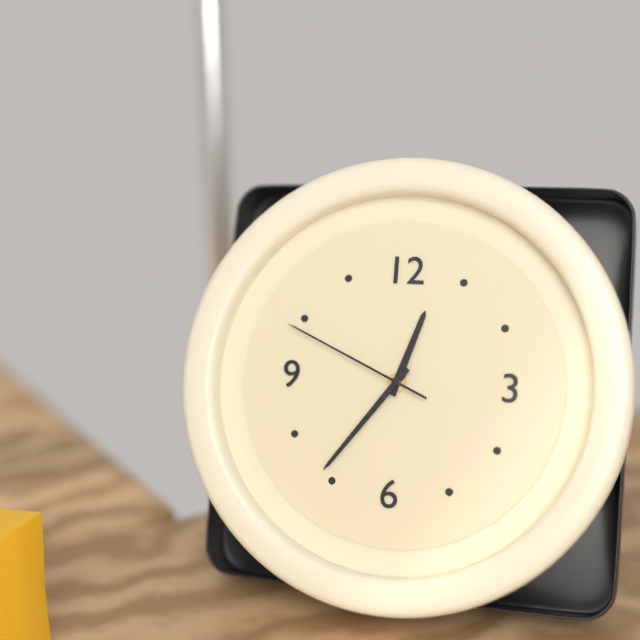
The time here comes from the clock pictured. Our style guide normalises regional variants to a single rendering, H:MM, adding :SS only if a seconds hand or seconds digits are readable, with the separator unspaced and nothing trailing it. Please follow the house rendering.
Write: 12:36:49
